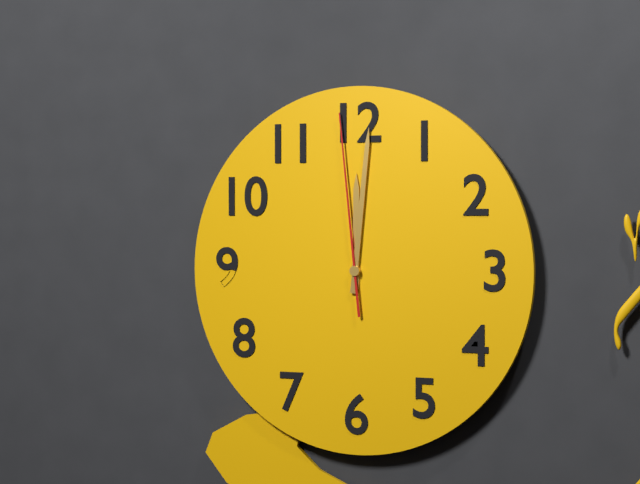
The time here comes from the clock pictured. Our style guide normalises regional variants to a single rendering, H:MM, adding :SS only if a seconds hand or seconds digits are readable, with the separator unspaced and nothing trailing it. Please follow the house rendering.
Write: 12:01:59
